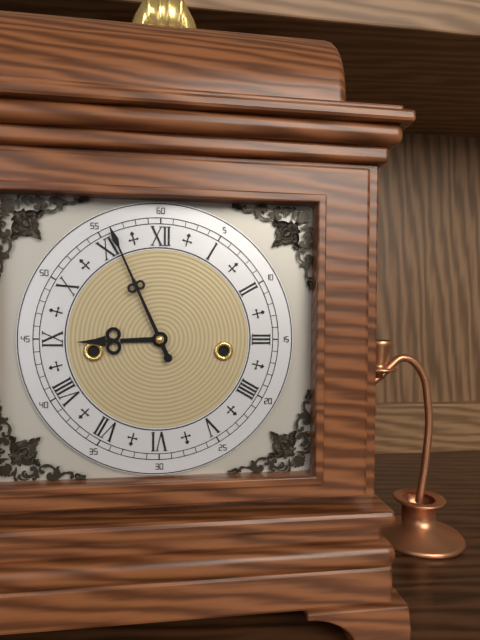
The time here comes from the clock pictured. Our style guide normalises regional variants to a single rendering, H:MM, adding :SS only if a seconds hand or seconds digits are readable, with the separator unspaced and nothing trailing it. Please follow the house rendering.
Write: 8:56
